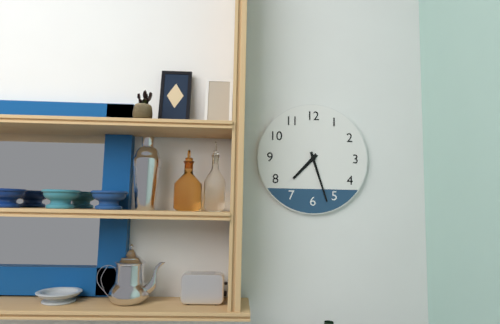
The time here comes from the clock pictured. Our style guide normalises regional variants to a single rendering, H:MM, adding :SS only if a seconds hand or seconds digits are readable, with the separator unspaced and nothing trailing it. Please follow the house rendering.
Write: 7:27
